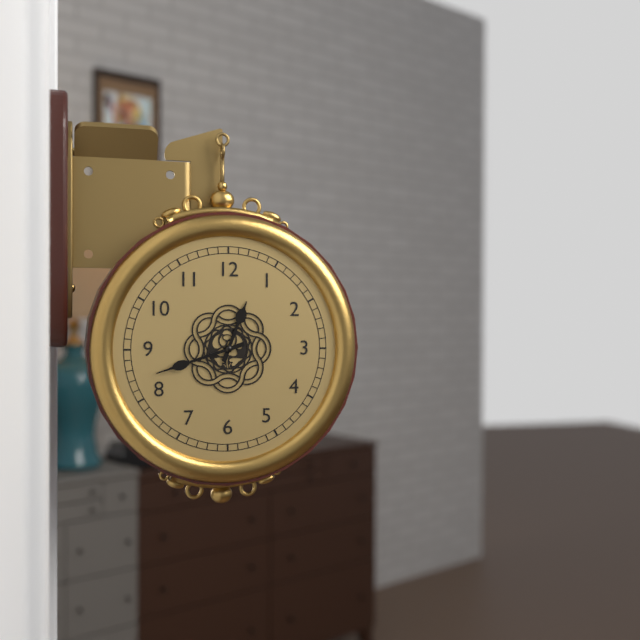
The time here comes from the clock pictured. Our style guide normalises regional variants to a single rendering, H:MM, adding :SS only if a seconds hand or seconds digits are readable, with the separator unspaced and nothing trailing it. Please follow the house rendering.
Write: 12:42
